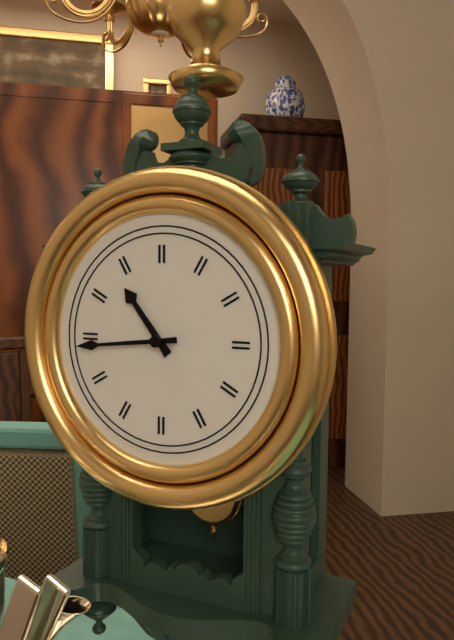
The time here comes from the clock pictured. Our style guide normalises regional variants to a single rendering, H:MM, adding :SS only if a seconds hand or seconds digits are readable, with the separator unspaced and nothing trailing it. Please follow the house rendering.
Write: 10:44
